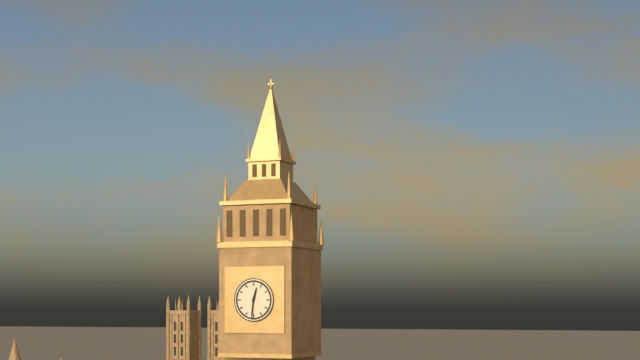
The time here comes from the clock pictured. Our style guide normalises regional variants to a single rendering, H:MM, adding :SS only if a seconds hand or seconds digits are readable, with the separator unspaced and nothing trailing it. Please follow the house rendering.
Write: 12:31
